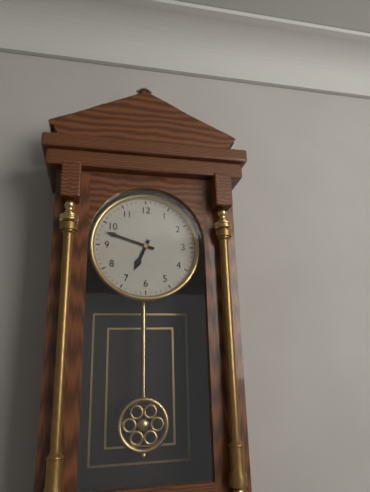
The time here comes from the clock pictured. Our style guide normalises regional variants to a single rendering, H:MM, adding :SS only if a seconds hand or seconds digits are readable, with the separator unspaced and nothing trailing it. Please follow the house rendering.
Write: 6:48
